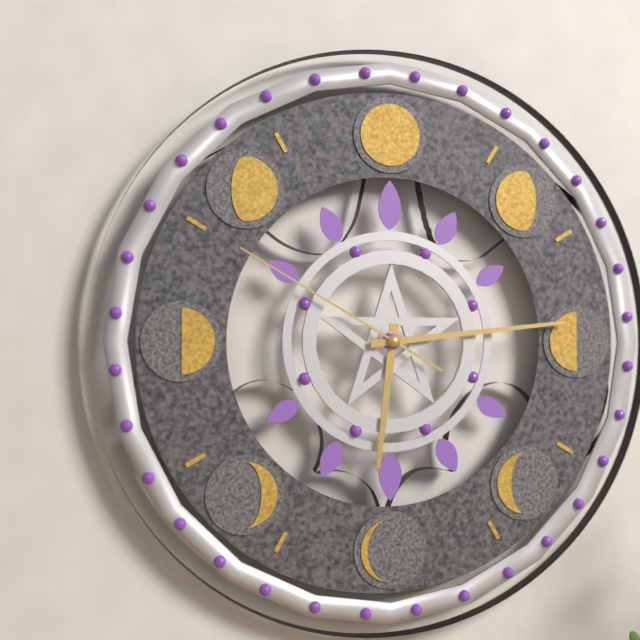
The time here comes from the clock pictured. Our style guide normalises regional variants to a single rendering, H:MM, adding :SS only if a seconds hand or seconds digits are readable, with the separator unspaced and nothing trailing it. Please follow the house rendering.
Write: 6:14:50
